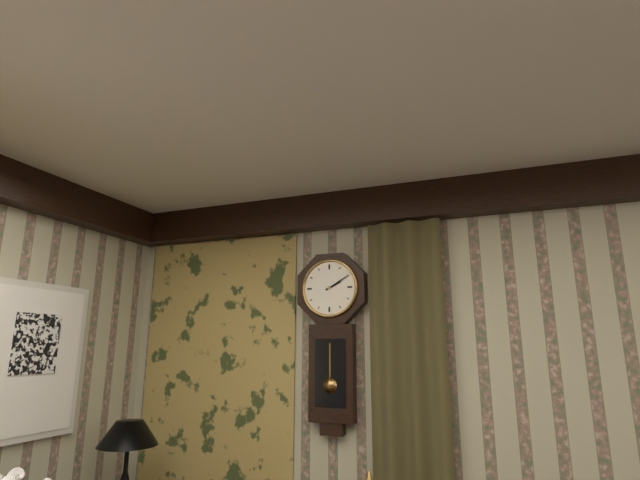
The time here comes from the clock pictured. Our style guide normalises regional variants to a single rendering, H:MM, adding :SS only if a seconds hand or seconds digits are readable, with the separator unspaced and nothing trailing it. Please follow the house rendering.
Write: 2:10
